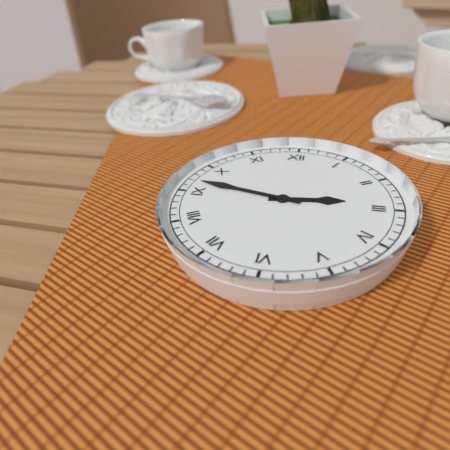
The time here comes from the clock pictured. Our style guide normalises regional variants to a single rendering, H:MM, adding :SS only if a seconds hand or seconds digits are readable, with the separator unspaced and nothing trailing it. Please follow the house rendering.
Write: 2:47
